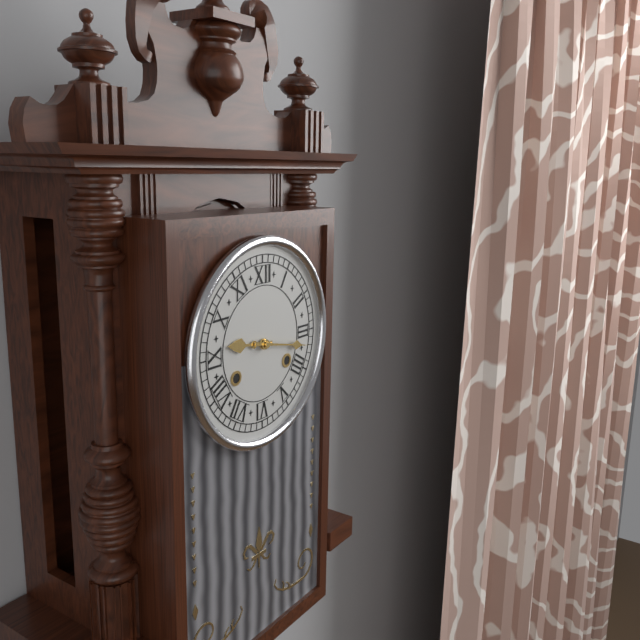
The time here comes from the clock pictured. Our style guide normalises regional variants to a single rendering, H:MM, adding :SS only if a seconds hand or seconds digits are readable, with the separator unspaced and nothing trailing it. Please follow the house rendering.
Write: 9:17
